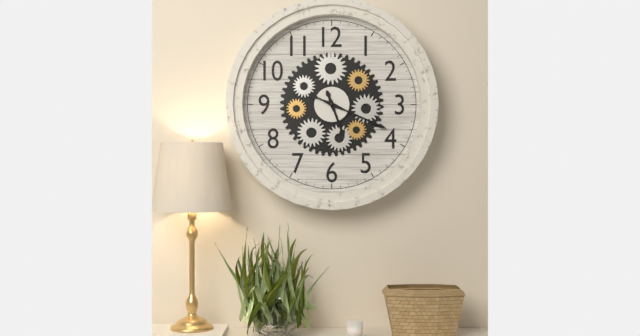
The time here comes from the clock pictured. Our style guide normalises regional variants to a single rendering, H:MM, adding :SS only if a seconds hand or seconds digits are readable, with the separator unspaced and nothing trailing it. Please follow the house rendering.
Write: 5:19
